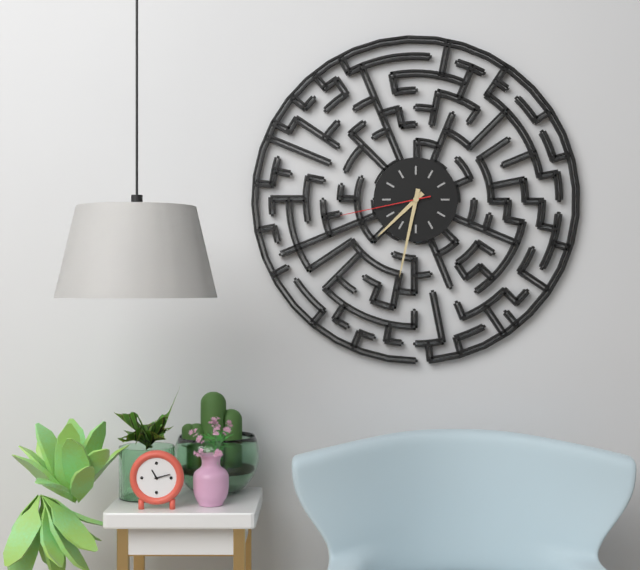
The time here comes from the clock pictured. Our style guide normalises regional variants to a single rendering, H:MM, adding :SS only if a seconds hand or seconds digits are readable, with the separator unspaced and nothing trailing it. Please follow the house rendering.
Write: 7:32:43
